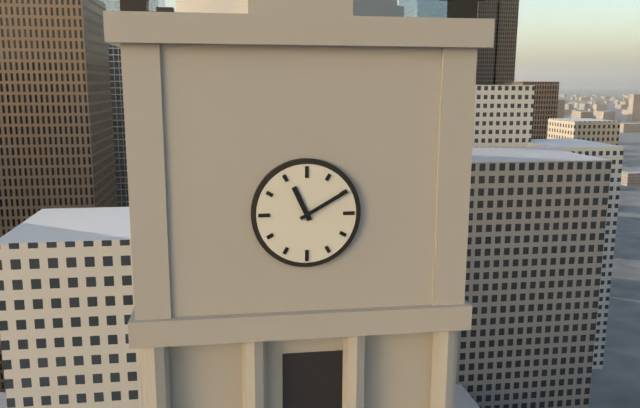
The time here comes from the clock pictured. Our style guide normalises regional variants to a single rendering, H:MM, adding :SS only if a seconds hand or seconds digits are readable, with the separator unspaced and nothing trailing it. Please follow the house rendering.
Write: 11:10
